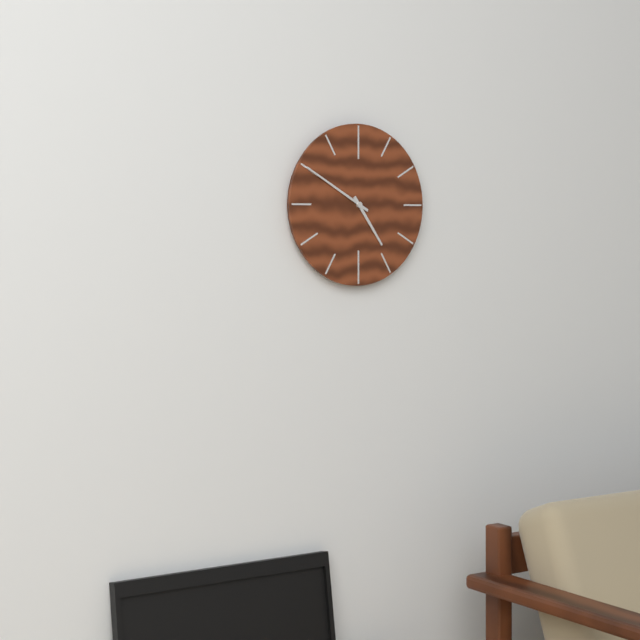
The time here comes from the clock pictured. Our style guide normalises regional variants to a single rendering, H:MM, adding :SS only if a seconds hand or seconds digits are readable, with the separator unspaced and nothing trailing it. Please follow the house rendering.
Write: 4:50
